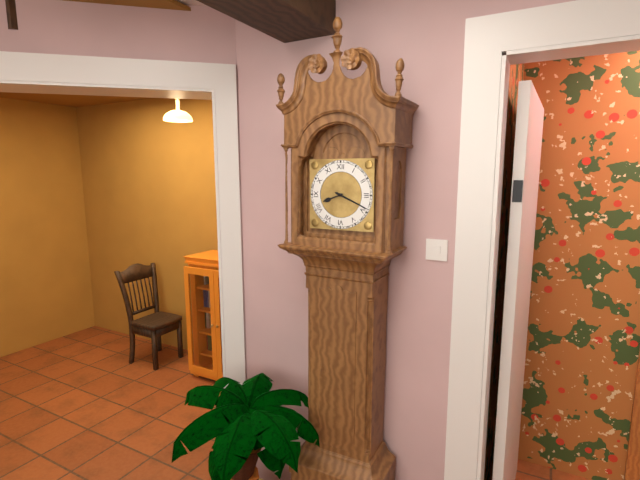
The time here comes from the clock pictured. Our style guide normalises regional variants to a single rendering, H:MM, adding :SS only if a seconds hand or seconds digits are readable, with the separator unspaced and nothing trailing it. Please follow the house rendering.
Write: 8:19
